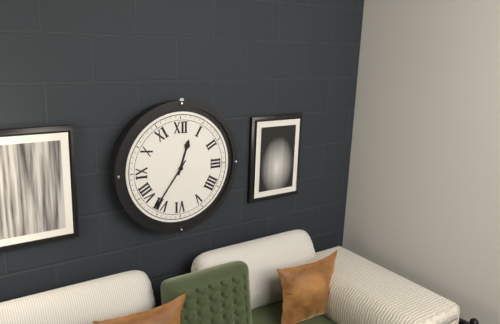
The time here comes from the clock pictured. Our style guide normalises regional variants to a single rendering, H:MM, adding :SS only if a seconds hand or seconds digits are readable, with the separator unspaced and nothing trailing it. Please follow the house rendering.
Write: 12:36
